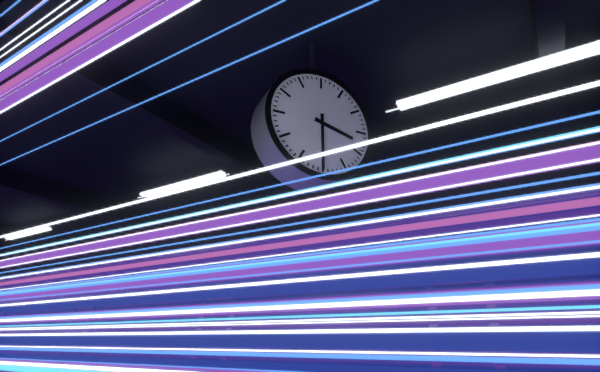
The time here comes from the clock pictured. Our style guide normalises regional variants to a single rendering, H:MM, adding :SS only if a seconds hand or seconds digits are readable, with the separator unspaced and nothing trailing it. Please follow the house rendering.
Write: 3:30
